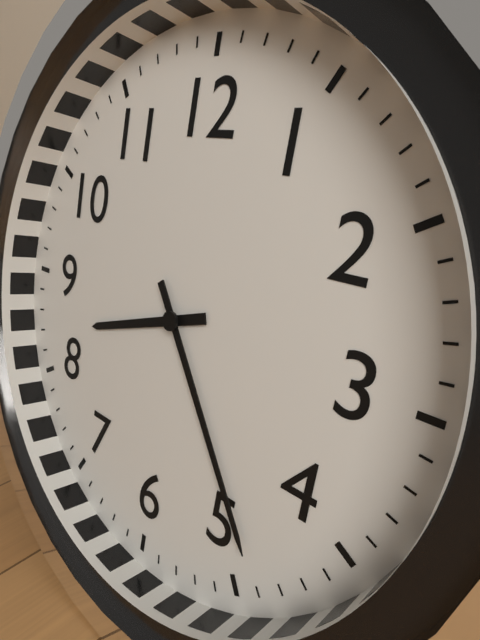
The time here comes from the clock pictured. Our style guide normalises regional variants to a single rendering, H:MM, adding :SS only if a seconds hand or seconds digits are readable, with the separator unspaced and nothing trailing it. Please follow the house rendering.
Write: 8:24
